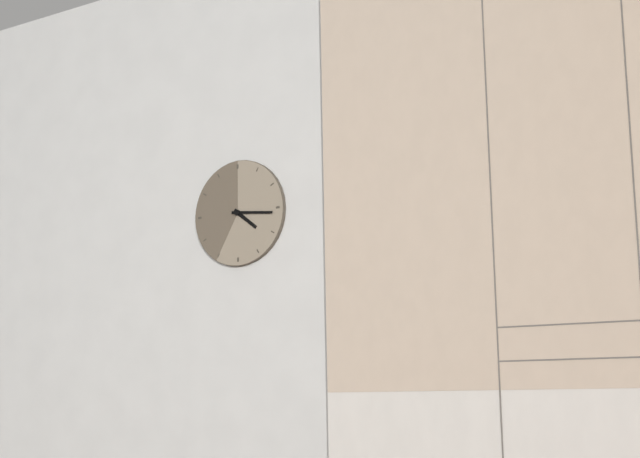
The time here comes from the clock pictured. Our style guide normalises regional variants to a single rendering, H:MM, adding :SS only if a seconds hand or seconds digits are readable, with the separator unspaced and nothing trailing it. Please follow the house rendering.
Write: 4:16
